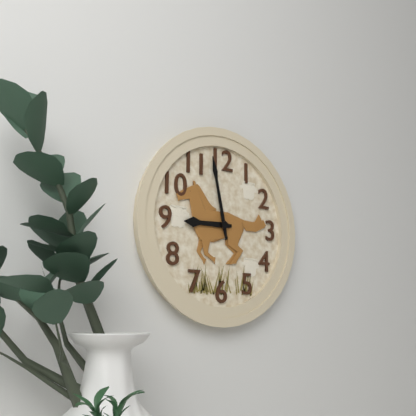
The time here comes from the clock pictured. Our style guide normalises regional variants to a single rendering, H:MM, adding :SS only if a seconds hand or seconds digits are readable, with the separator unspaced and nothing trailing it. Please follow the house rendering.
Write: 8:58
